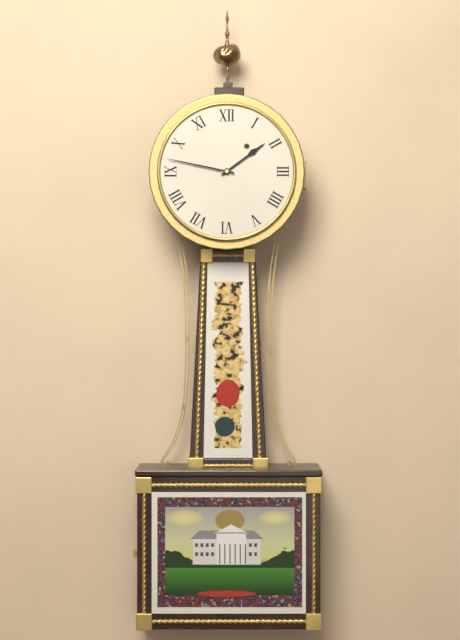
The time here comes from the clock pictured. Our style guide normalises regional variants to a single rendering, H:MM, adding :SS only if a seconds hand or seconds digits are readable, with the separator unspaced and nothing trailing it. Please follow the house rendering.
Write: 1:47
